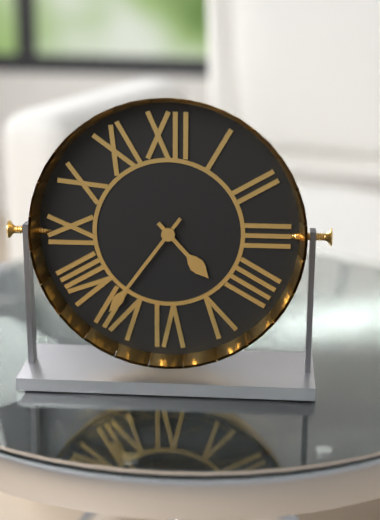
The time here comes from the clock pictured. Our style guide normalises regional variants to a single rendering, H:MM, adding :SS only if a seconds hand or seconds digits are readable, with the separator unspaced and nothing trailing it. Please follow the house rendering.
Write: 4:36
